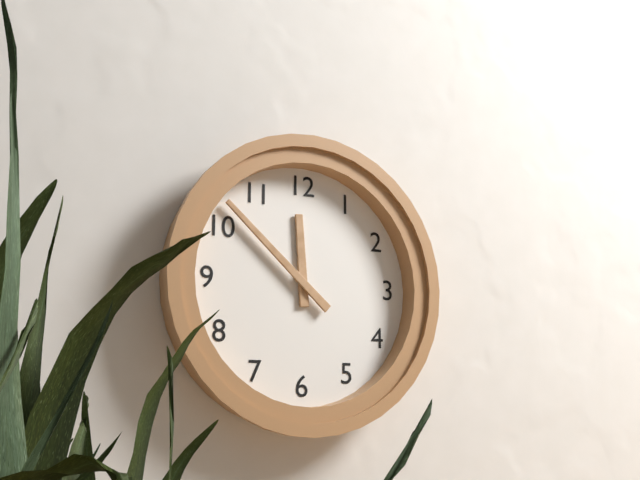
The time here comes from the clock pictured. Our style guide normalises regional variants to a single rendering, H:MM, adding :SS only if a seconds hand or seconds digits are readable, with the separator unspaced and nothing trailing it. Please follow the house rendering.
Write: 11:52
